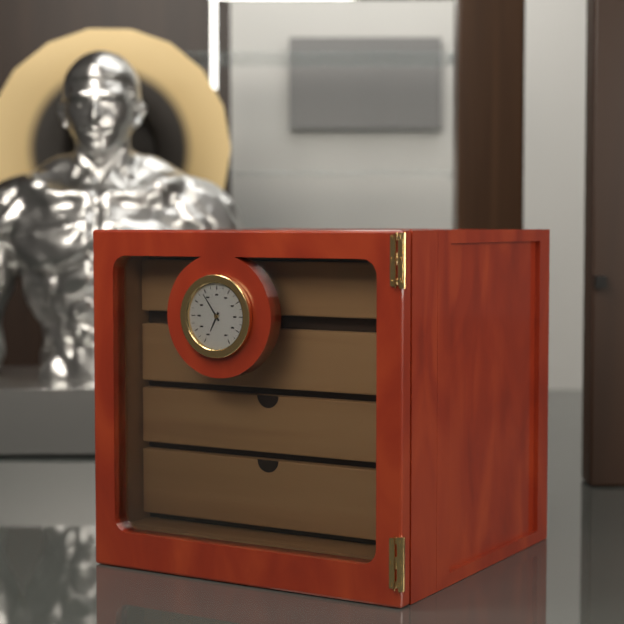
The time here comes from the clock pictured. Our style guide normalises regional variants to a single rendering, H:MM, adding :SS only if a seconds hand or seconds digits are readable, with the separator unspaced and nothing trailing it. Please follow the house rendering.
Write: 6:54
